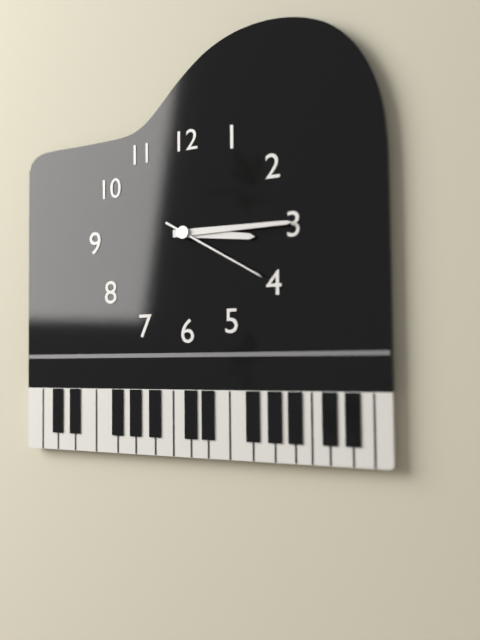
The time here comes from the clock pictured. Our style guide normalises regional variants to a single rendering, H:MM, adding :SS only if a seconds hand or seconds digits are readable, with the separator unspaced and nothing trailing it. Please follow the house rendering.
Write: 3:15:20
